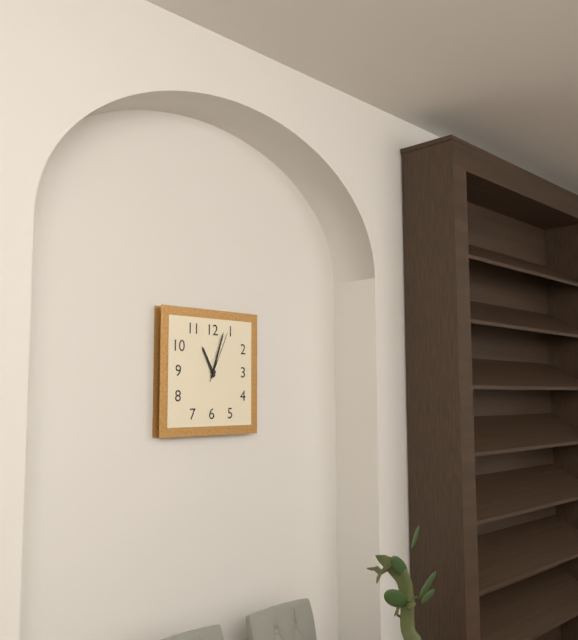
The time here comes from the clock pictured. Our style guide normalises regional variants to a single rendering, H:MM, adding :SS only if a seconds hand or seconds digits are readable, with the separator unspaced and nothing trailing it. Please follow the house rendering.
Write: 11:03:04
